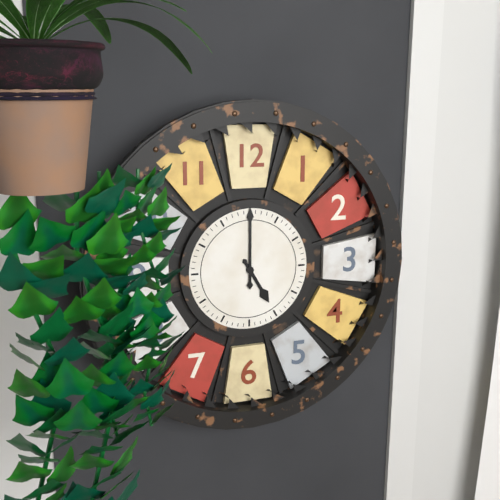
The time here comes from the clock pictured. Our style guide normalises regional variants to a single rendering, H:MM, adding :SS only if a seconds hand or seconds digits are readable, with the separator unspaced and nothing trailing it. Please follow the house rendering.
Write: 5:00
